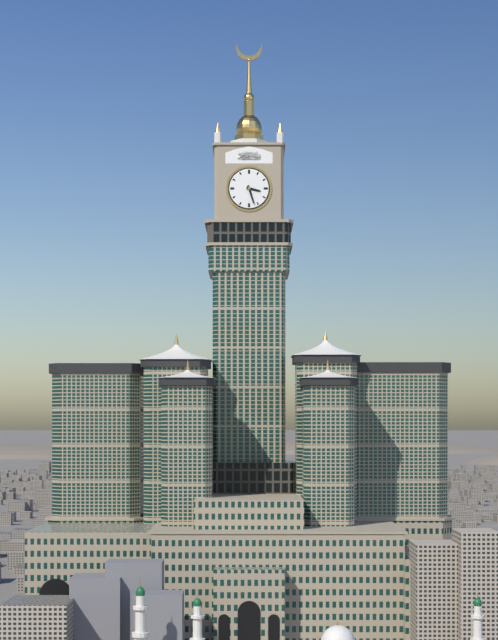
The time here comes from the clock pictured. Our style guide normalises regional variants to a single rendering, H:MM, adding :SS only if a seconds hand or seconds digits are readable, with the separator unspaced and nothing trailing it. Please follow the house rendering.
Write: 3:27
